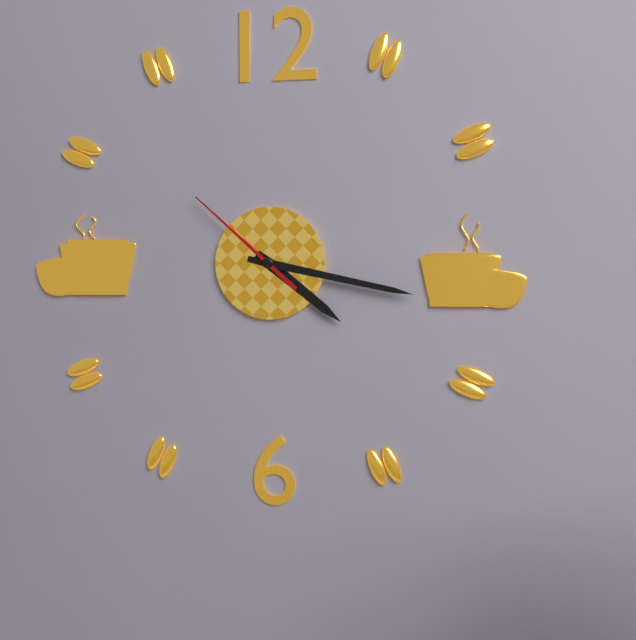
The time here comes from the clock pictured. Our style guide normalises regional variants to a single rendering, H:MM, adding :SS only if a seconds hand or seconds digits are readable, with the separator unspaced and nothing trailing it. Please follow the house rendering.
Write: 4:17:52
